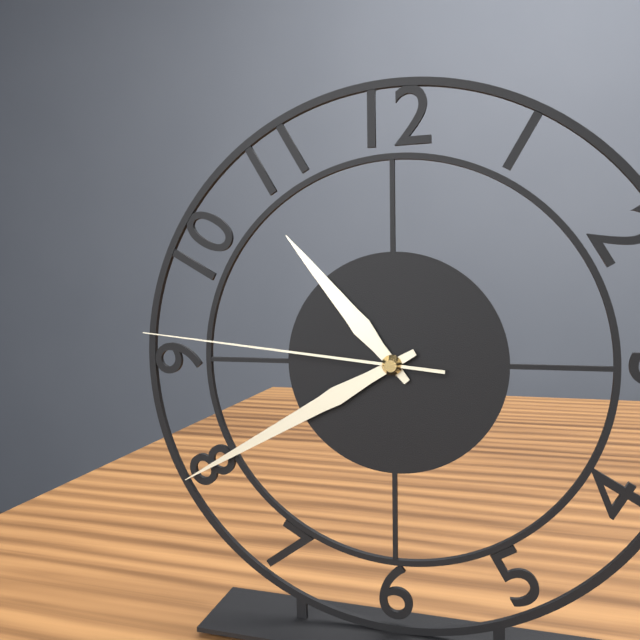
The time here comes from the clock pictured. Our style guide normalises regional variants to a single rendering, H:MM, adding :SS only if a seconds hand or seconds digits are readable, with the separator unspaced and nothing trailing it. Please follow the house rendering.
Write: 10:40:46
